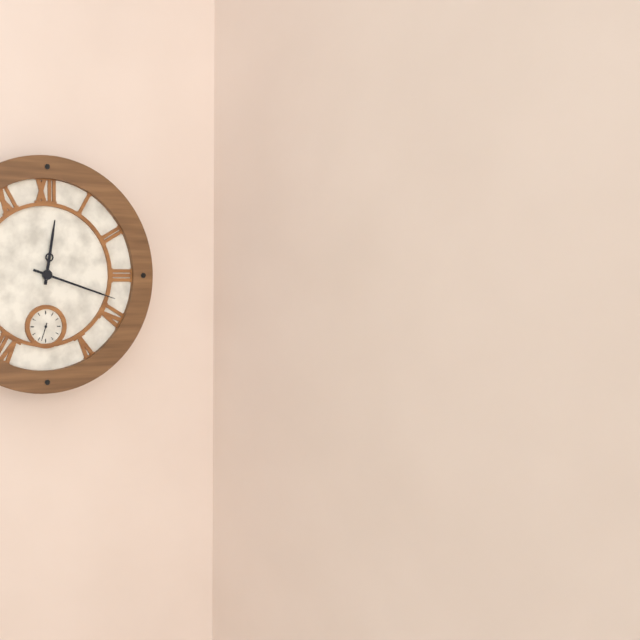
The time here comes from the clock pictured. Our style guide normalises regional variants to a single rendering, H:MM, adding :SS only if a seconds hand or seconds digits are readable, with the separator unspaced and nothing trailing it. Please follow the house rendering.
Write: 12:18
